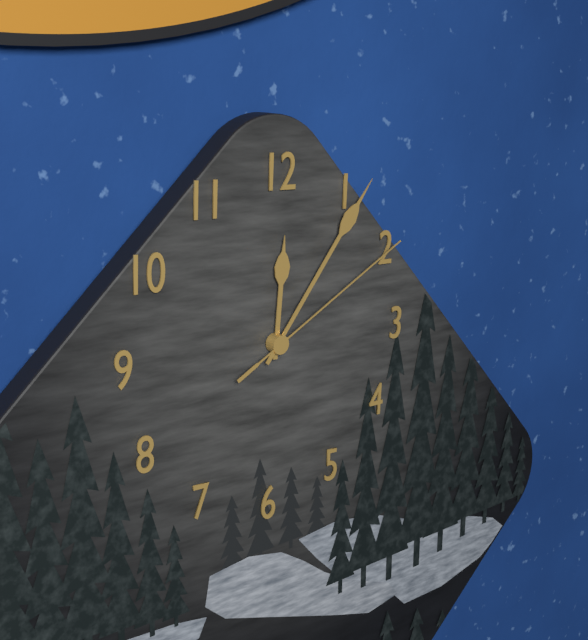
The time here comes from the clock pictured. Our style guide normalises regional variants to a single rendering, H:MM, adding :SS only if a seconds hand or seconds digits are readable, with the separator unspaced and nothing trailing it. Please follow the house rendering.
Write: 12:06:10
